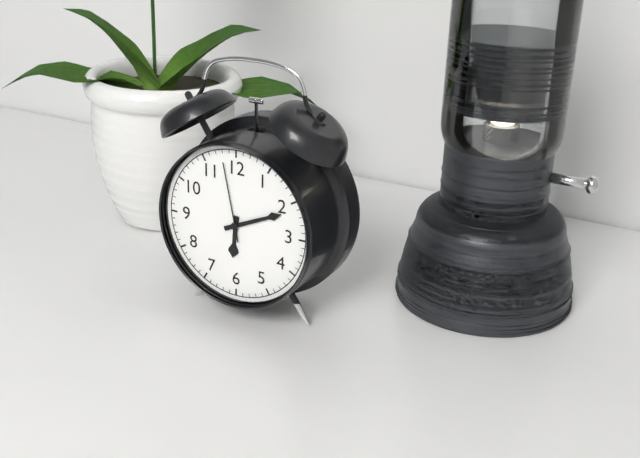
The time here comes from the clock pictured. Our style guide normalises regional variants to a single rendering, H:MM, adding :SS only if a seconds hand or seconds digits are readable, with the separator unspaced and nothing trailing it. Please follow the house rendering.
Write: 6:11:58
